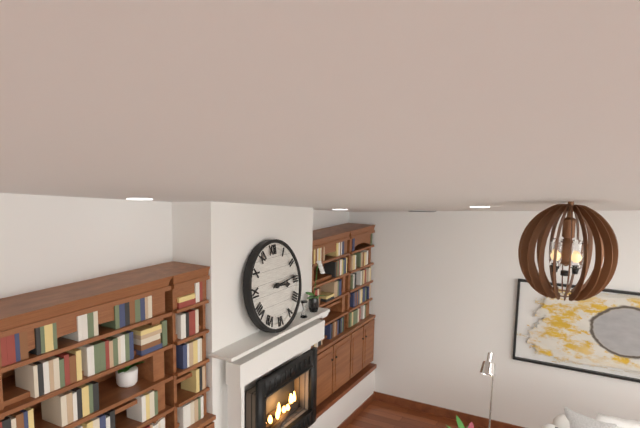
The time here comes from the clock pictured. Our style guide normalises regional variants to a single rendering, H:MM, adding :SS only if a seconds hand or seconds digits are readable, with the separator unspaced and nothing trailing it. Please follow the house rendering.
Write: 3:14
